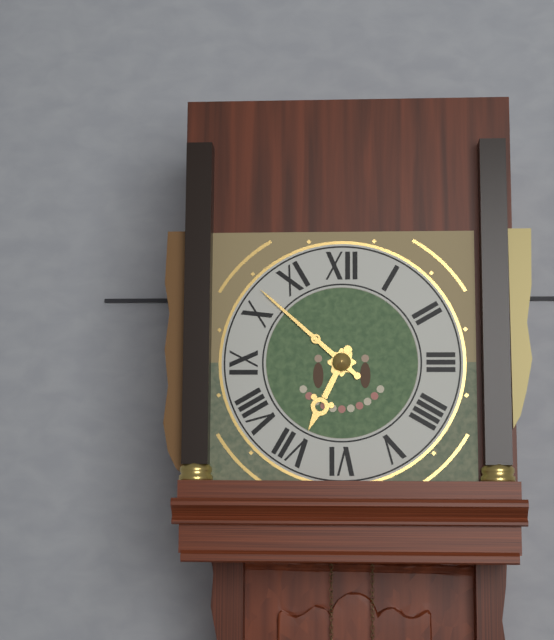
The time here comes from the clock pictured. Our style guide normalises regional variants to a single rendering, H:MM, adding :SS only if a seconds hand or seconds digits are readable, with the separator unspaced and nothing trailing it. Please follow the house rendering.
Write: 6:52
